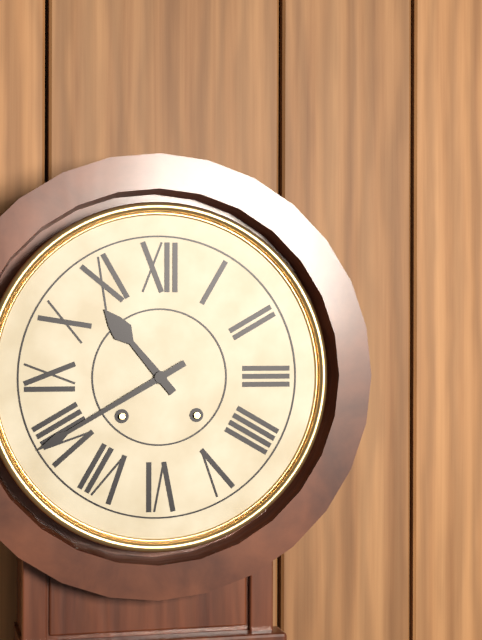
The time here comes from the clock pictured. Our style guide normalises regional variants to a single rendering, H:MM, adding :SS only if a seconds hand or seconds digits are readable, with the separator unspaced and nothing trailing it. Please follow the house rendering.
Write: 10:40
